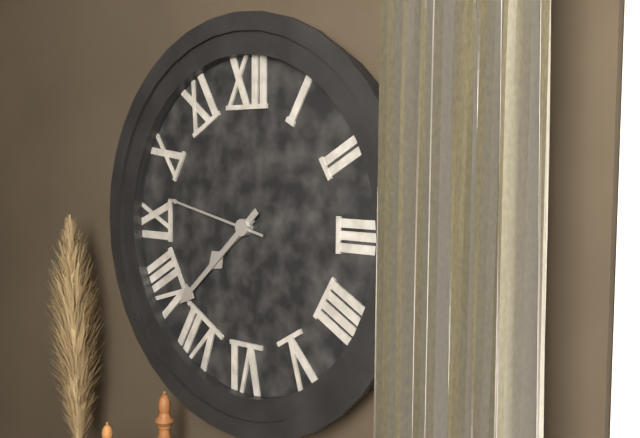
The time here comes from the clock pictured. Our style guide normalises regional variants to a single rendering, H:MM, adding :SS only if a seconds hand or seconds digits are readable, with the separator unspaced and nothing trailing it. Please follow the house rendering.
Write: 7:38:47
